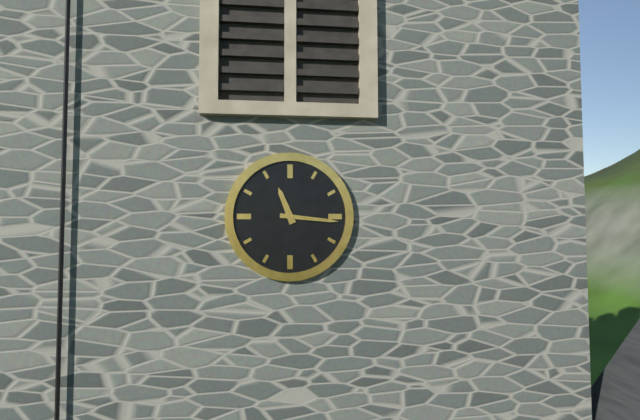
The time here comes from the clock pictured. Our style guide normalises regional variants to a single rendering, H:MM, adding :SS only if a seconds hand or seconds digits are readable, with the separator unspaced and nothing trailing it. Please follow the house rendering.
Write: 11:16
